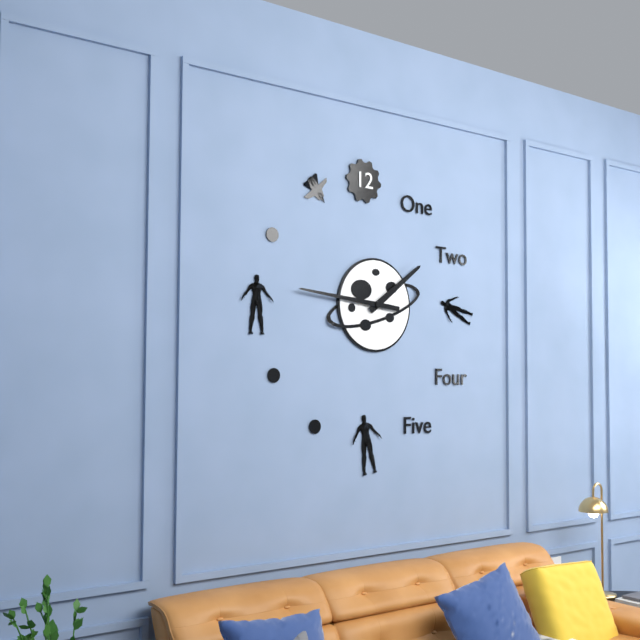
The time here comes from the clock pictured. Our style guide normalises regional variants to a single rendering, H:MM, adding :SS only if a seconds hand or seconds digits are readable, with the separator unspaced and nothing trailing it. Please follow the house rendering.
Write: 1:46
